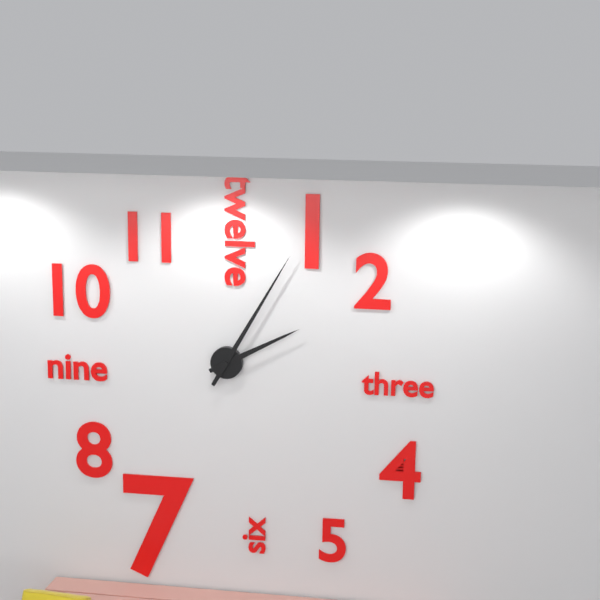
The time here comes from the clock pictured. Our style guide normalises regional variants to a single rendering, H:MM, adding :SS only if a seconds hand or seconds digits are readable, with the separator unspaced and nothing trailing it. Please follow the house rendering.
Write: 2:05
